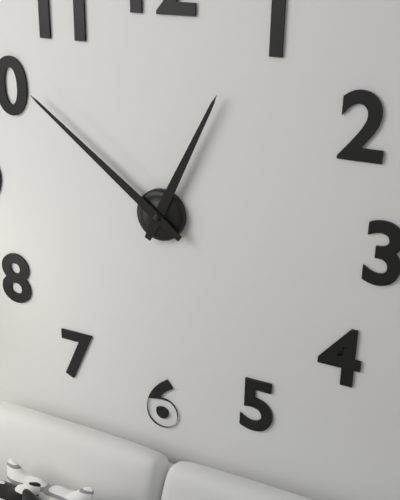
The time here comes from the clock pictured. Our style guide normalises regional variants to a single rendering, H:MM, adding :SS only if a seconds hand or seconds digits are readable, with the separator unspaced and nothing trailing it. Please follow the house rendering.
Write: 12:51
